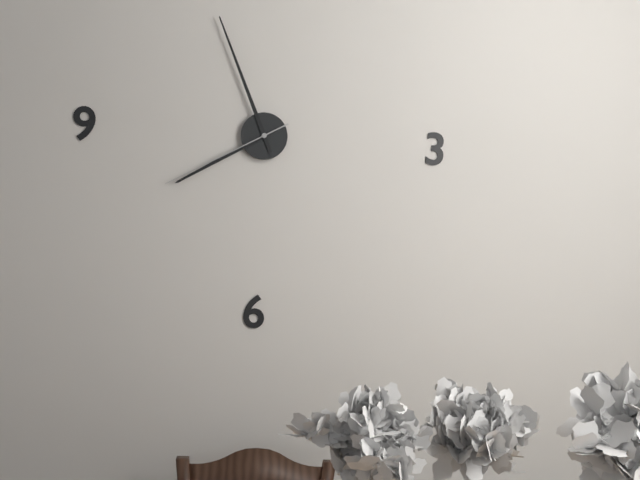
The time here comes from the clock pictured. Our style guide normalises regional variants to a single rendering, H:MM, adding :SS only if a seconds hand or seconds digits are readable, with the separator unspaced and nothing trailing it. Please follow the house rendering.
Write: 7:56:40
